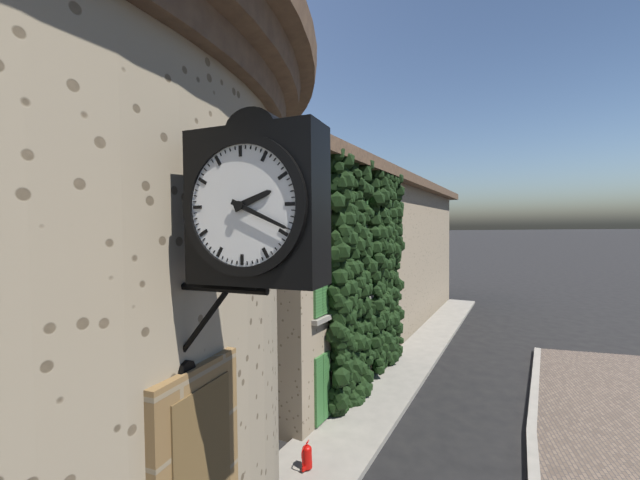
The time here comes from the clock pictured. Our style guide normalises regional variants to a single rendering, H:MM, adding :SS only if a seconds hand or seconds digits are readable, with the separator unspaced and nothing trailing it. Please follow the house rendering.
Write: 2:19
